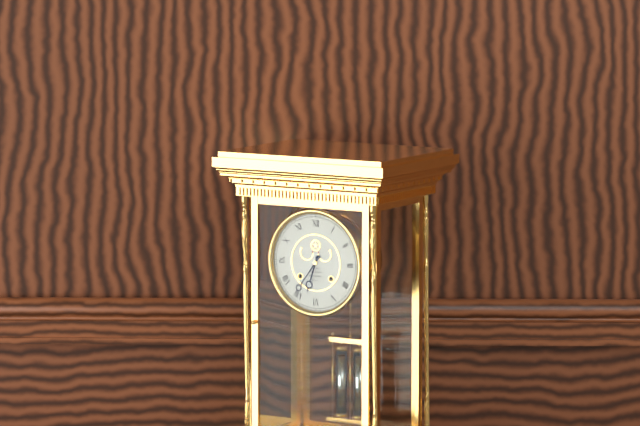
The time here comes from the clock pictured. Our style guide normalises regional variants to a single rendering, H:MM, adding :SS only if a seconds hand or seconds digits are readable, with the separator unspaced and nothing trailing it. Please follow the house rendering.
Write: 6:36
